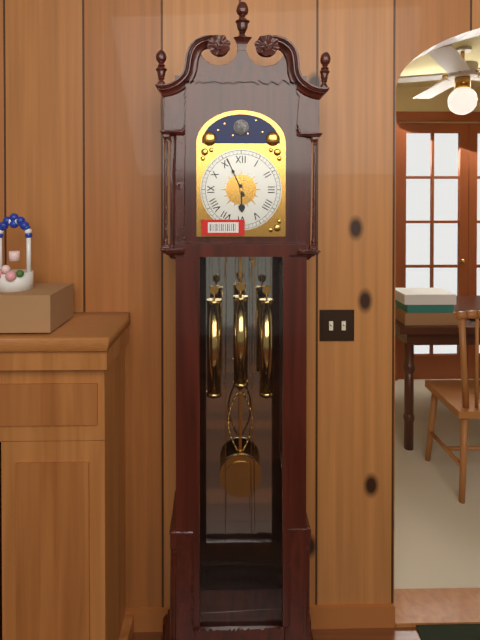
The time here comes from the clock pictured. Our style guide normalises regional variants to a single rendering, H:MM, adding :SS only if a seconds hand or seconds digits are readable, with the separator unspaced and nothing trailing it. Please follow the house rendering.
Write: 5:56
